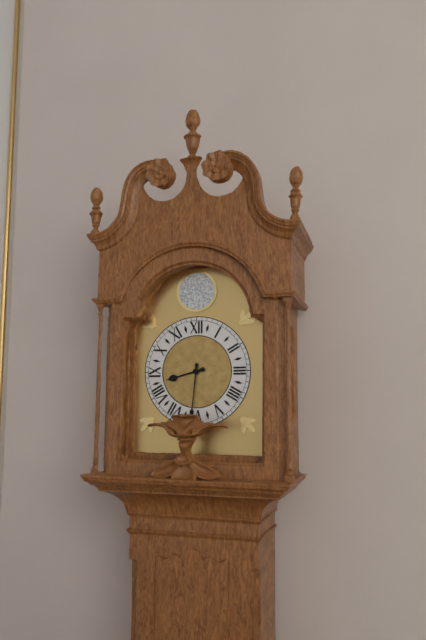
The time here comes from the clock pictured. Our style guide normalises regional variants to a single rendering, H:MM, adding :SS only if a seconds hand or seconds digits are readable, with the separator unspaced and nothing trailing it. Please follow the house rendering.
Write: 8:31
